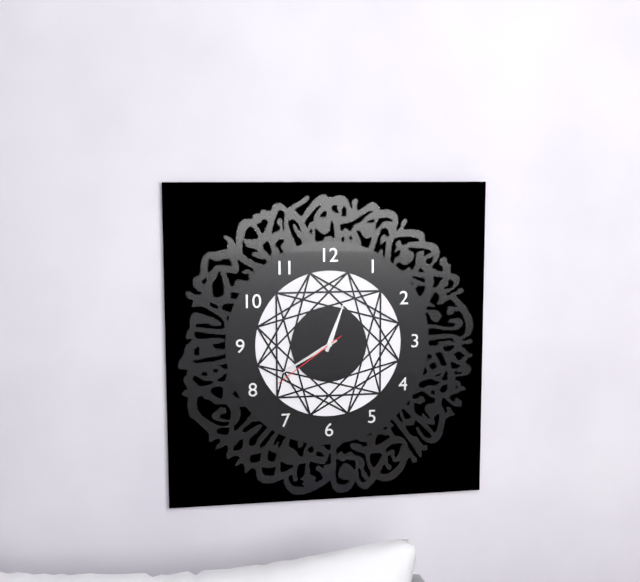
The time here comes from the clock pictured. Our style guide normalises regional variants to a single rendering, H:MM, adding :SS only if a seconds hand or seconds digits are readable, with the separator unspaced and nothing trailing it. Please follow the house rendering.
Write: 12:40:39
